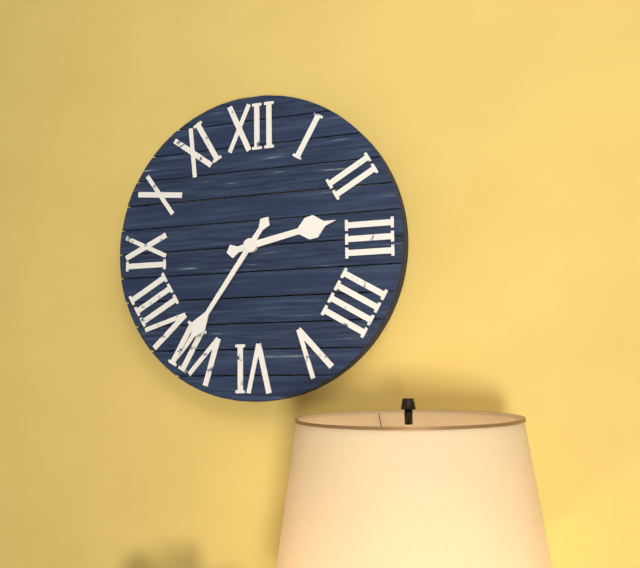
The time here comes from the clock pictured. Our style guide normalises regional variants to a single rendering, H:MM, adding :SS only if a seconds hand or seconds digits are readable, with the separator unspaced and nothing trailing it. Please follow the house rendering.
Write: 2:36
